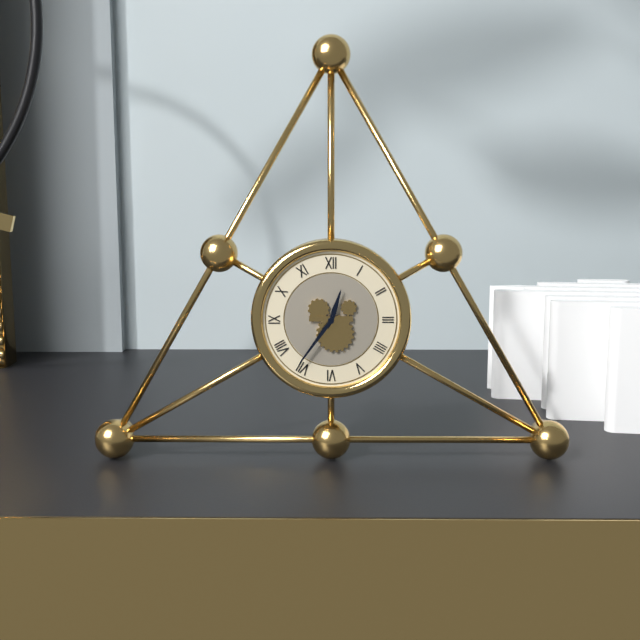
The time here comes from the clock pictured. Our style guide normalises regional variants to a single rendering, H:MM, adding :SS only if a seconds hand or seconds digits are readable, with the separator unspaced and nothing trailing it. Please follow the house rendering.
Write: 12:36
